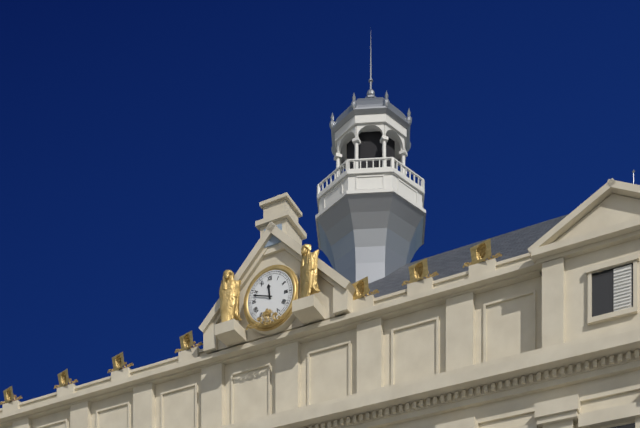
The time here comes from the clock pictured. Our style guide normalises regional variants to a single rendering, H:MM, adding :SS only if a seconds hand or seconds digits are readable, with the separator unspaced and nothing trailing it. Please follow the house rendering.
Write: 11:48
